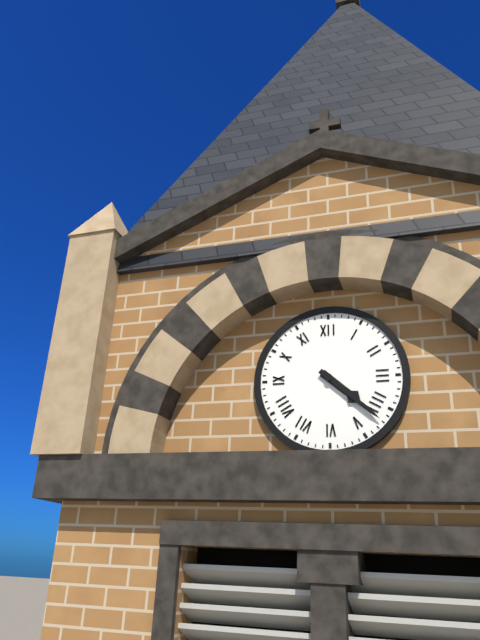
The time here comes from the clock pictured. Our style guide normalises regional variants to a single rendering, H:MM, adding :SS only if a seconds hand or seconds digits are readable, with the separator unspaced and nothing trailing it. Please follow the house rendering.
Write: 4:22
